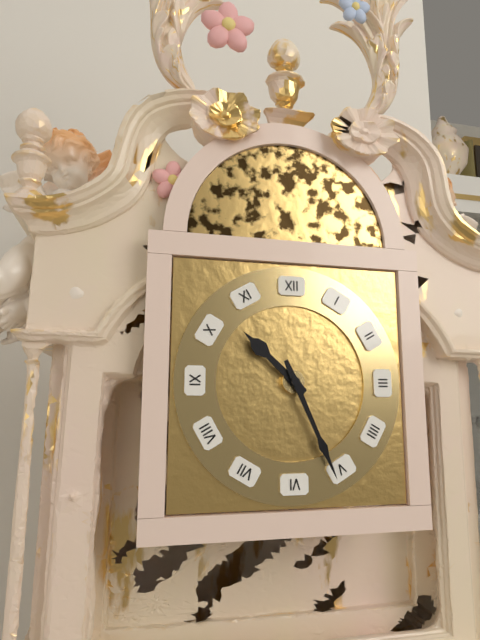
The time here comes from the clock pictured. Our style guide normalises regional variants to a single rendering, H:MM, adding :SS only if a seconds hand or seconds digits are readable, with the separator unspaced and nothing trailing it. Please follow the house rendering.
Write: 10:26
